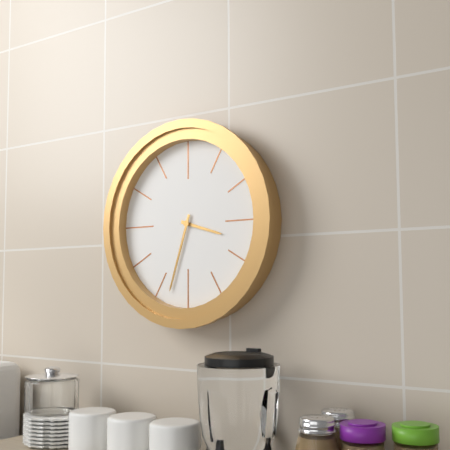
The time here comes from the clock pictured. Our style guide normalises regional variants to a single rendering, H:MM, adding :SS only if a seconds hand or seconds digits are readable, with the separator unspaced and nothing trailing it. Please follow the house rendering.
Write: 3:33
